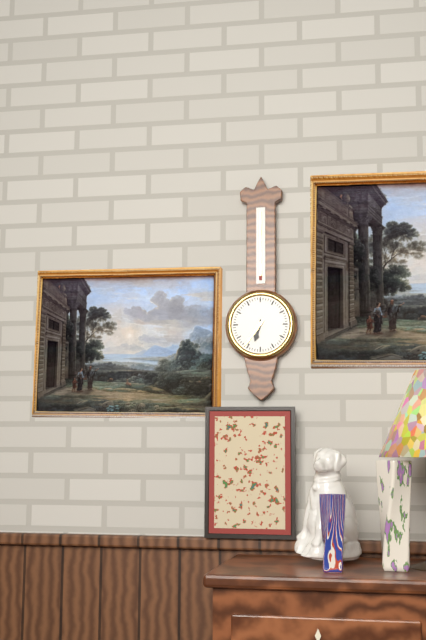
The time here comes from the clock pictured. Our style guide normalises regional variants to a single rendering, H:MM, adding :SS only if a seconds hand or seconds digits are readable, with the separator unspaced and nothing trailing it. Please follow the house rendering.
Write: 6:36
